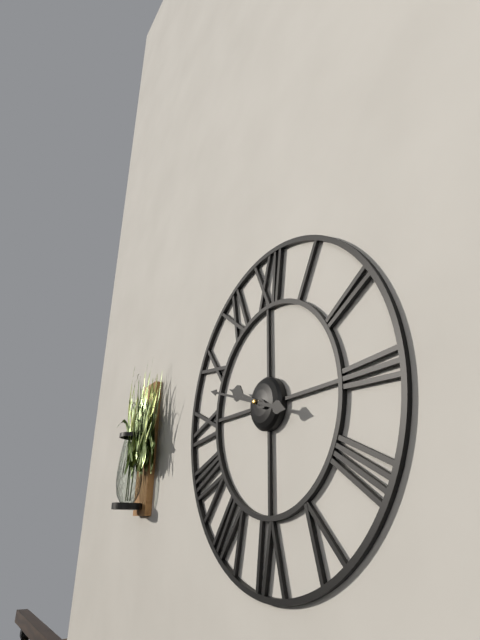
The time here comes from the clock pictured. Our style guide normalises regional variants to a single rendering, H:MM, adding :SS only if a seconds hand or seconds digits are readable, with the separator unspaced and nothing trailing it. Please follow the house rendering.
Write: 9:48
